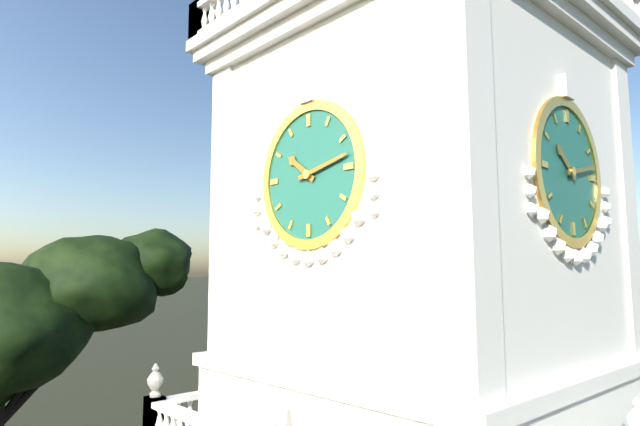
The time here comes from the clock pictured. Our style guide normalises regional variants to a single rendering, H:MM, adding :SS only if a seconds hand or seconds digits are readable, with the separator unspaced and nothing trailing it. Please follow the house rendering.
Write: 10:13
